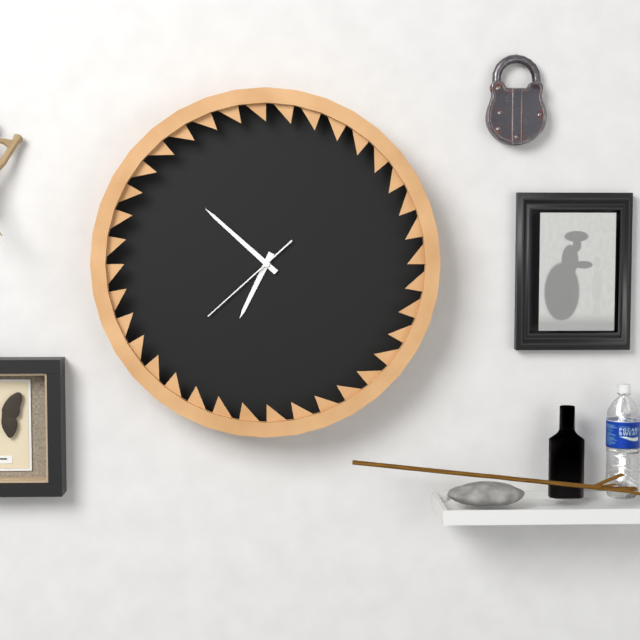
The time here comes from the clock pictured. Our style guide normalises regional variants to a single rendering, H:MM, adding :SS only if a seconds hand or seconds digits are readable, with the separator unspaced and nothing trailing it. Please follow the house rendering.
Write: 6:52:38
